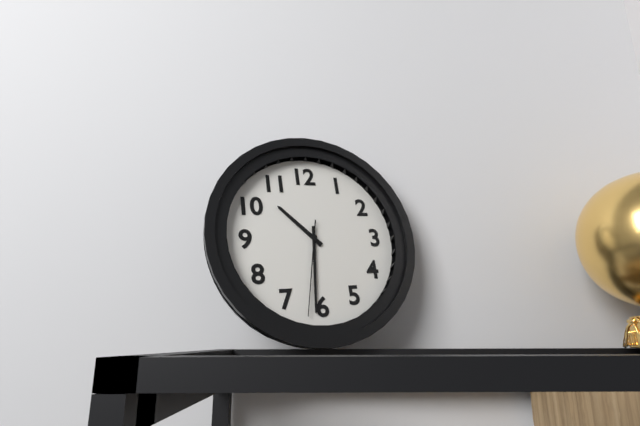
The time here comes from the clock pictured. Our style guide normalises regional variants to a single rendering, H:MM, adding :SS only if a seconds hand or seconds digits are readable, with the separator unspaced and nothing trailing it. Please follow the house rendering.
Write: 10:31:32
